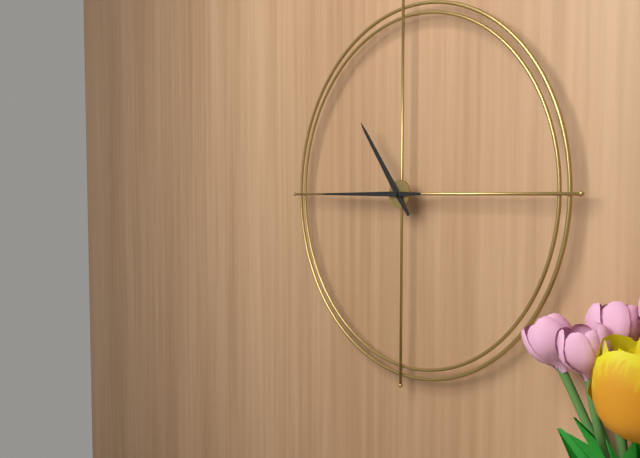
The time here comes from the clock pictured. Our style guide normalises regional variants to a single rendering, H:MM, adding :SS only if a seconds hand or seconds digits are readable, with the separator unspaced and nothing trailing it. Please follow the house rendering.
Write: 10:45
